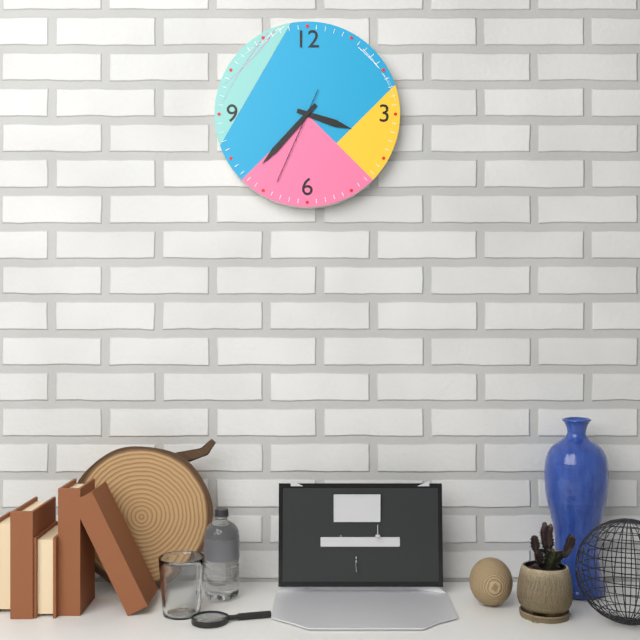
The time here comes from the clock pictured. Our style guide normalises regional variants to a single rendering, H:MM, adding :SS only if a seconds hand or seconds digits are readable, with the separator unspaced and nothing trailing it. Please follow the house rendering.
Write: 3:37:34
